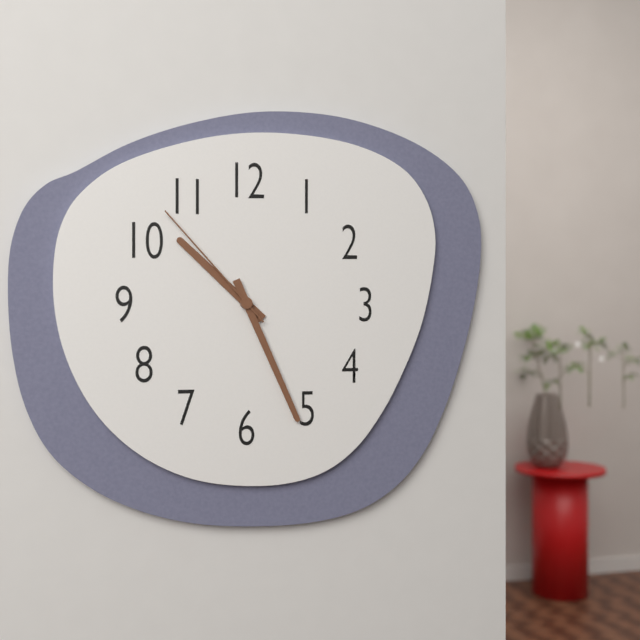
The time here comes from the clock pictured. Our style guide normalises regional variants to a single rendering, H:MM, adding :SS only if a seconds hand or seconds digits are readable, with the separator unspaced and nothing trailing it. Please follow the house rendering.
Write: 10:26:53
